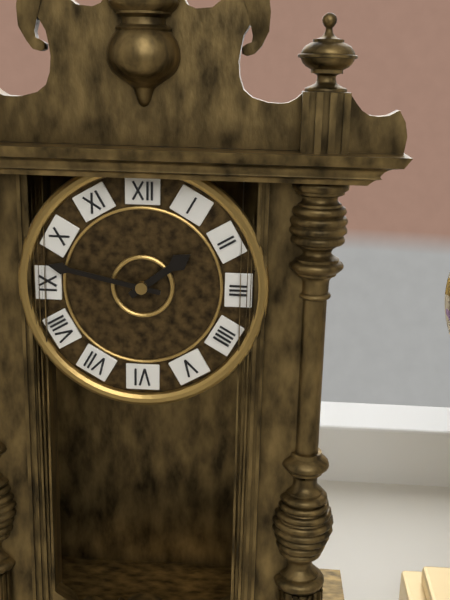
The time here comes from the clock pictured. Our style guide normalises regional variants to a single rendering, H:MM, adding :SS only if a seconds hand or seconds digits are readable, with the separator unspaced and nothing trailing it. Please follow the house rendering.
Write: 1:47
